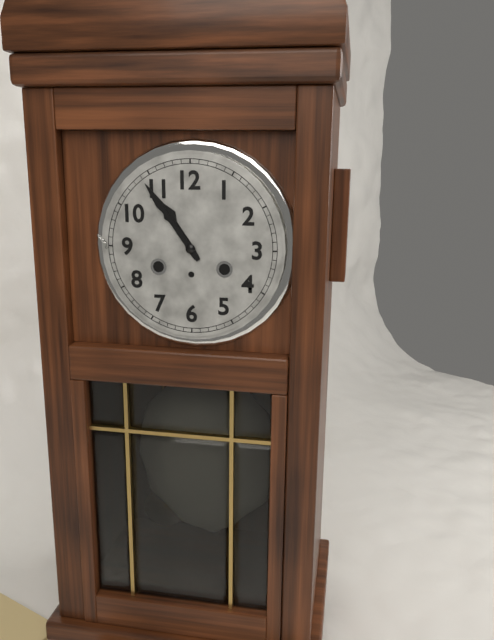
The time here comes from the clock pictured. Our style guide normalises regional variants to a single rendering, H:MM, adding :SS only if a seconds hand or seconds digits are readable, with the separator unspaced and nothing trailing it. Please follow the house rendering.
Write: 10:54
